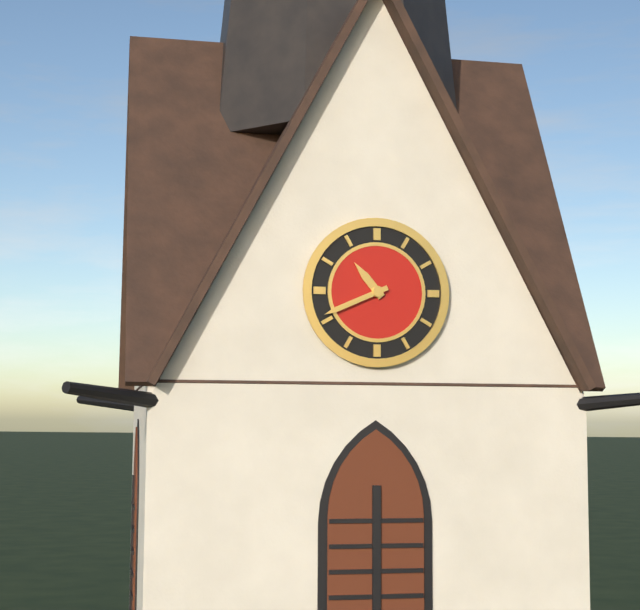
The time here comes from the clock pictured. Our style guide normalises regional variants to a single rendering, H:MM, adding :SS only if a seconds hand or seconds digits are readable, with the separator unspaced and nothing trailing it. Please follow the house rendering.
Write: 10:41
